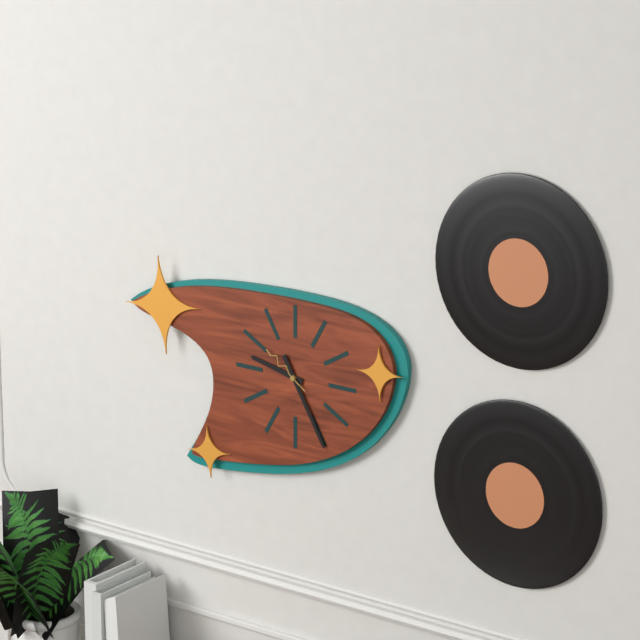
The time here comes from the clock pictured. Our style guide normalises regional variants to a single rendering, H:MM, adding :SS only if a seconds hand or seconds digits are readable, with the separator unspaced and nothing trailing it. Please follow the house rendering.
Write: 9:25:51
